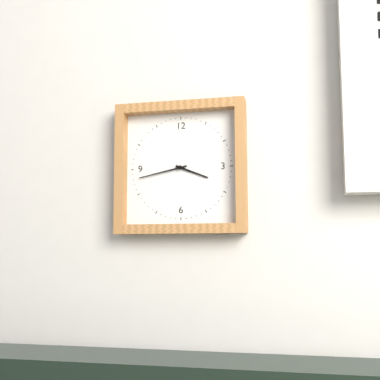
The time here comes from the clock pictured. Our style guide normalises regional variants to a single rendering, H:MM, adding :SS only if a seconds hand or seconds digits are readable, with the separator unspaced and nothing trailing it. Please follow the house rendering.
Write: 3:43
